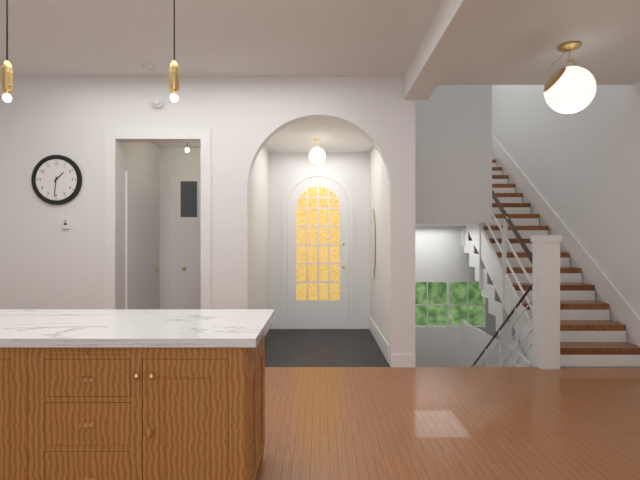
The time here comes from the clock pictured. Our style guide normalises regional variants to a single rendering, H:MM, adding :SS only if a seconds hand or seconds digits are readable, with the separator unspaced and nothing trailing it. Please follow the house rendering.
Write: 1:31
